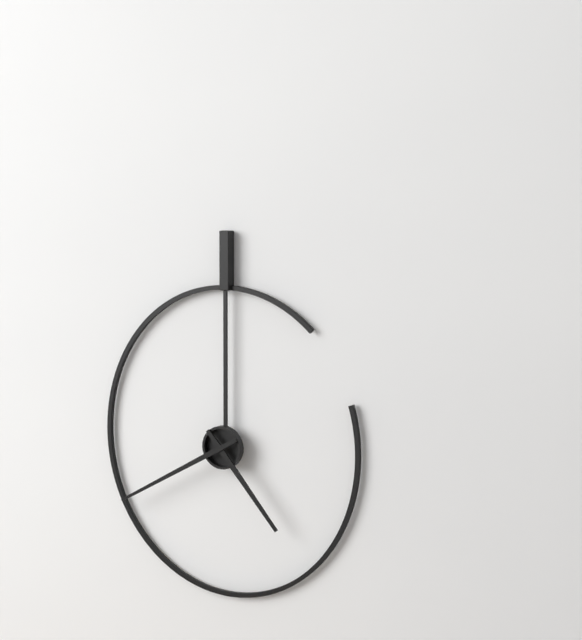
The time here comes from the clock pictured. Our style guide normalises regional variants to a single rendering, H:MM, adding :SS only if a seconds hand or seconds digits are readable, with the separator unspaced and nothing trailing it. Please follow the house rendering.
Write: 4:40
